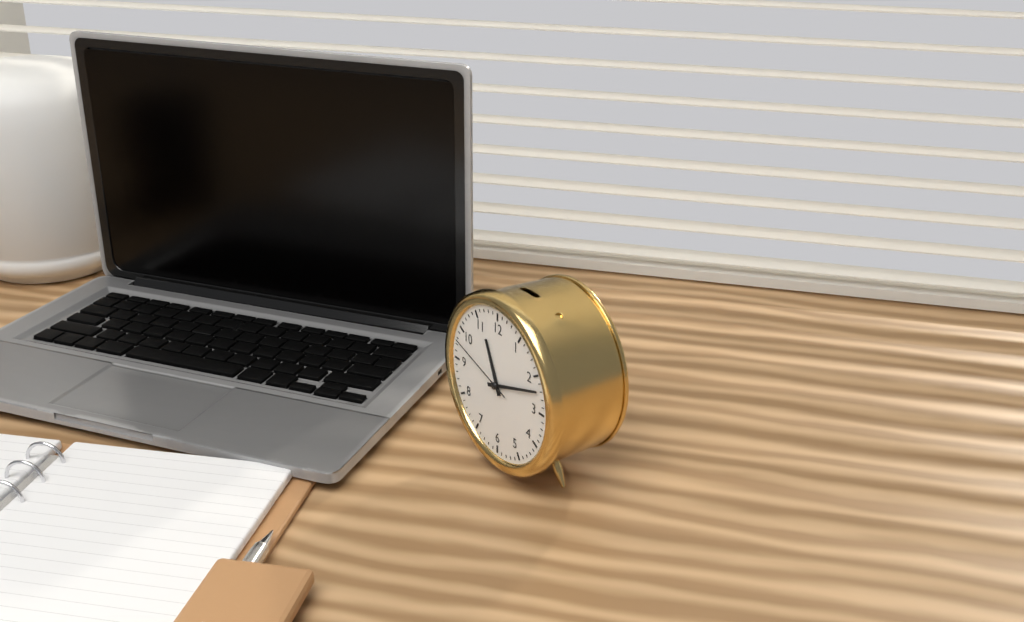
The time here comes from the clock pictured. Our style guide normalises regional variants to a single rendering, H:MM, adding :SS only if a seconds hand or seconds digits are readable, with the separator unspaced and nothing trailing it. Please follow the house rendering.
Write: 11:12:48
